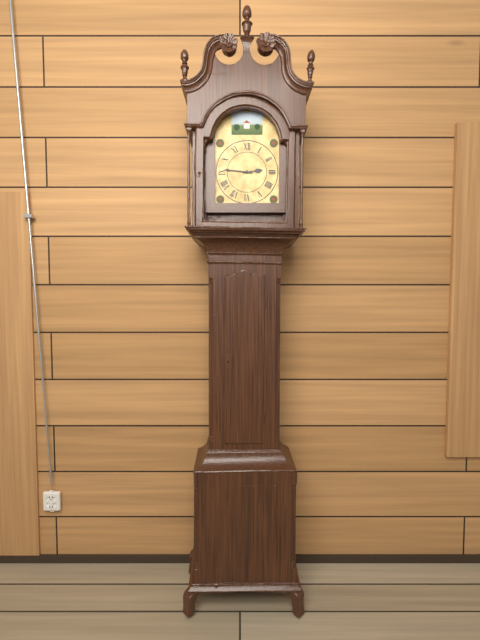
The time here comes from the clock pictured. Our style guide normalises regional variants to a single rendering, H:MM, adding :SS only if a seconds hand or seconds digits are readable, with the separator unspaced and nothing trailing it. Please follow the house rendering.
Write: 2:46
